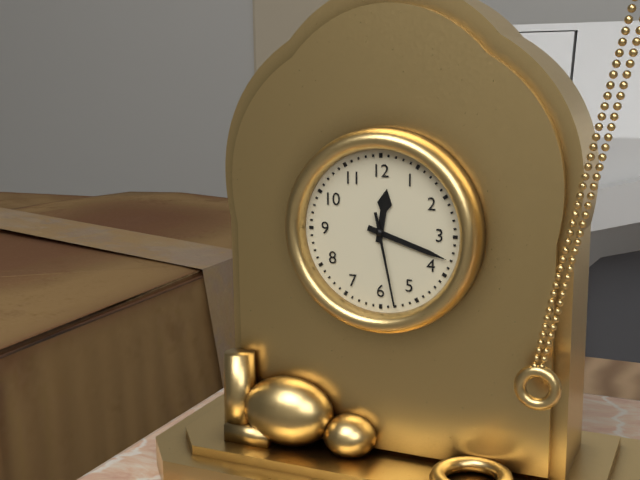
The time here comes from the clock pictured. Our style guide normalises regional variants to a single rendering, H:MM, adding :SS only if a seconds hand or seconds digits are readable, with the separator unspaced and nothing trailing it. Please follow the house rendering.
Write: 12:18:28
